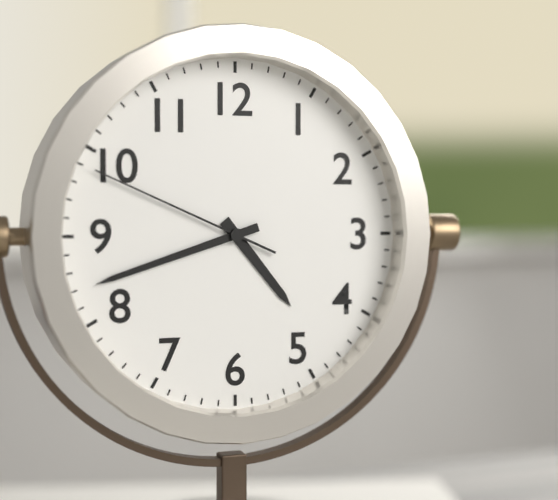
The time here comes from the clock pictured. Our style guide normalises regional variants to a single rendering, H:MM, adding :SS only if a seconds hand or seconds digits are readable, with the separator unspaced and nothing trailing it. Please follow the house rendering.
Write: 4:42:49
